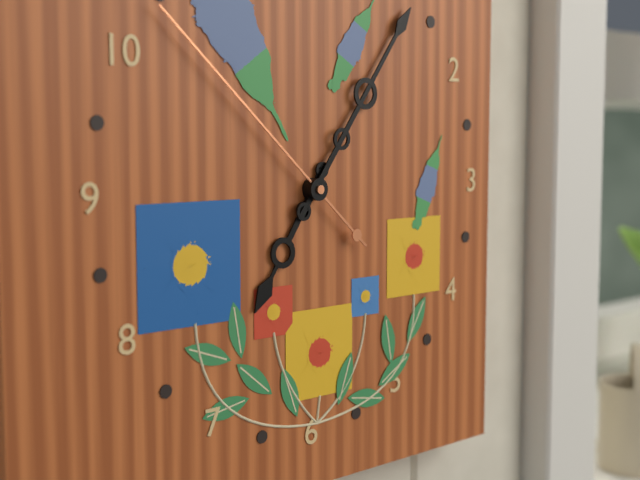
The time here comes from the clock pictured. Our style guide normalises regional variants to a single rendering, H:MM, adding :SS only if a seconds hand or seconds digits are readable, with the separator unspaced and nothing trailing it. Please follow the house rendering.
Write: 7:06:52
